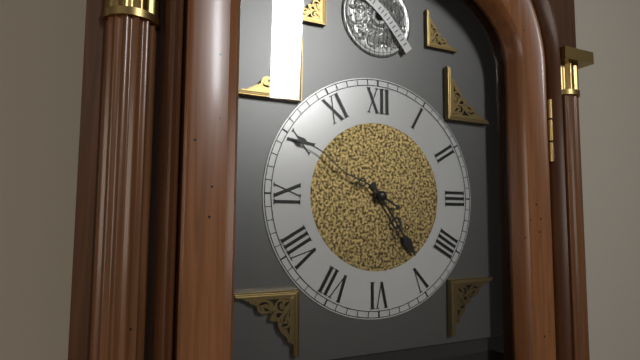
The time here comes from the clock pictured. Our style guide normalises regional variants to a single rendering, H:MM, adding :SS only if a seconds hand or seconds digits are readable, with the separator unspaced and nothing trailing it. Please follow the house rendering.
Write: 4:50
